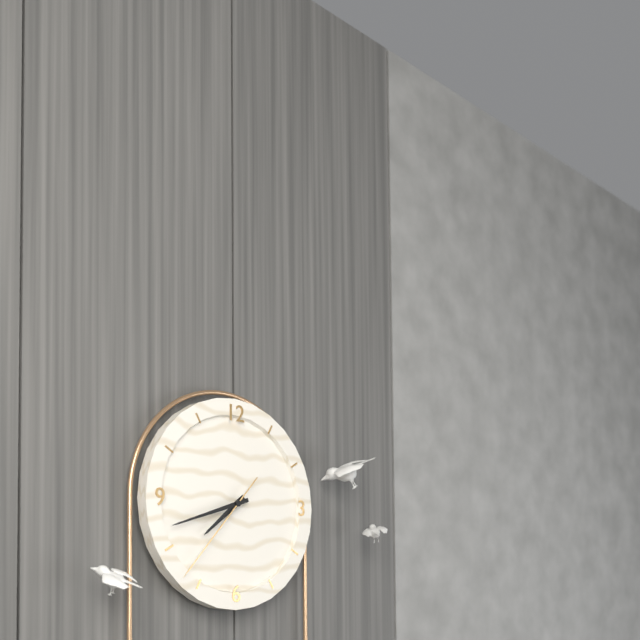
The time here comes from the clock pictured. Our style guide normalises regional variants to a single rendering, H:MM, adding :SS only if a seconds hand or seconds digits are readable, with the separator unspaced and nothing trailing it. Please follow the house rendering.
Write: 7:42:37
